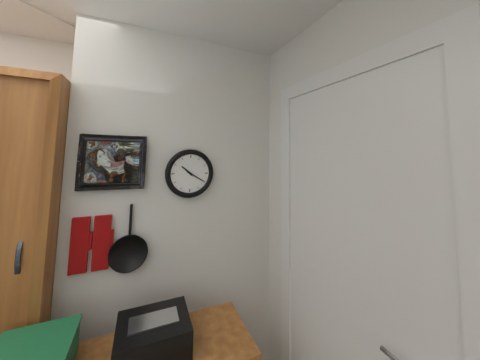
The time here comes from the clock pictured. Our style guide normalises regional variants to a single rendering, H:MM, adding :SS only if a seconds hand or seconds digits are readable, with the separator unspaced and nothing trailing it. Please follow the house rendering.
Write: 10:20
